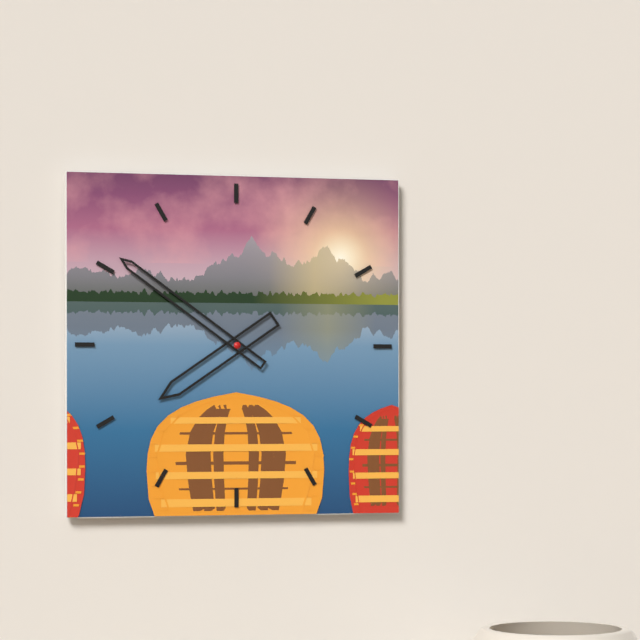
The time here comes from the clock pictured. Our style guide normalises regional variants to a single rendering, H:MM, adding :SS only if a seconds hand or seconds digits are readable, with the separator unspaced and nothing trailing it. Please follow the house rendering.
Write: 7:51
